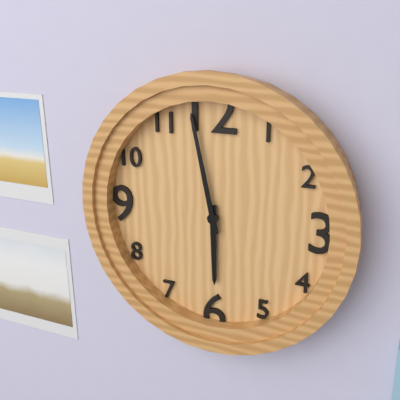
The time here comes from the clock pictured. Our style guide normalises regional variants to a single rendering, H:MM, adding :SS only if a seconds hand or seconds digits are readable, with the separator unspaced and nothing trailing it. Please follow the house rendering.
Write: 5:58
